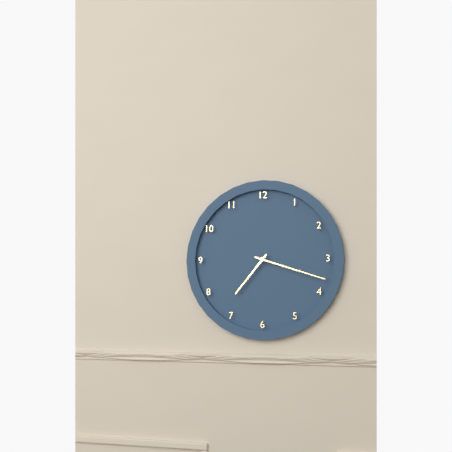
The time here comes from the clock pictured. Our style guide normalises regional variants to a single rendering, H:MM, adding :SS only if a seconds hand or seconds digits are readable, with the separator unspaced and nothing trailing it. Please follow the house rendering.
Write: 7:18
